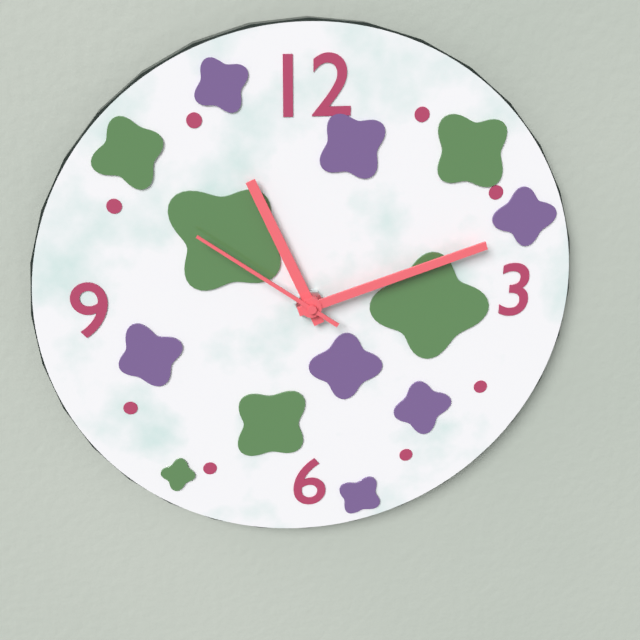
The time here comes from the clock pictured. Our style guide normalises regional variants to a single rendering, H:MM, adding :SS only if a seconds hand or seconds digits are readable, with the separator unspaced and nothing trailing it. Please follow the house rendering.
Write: 11:12:51
